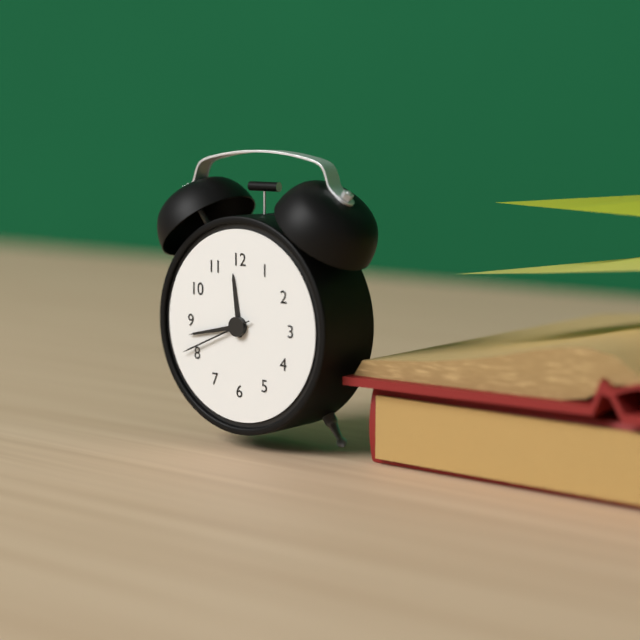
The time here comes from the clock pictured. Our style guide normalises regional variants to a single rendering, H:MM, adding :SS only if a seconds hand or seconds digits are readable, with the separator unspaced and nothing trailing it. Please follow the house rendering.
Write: 11:43:41
